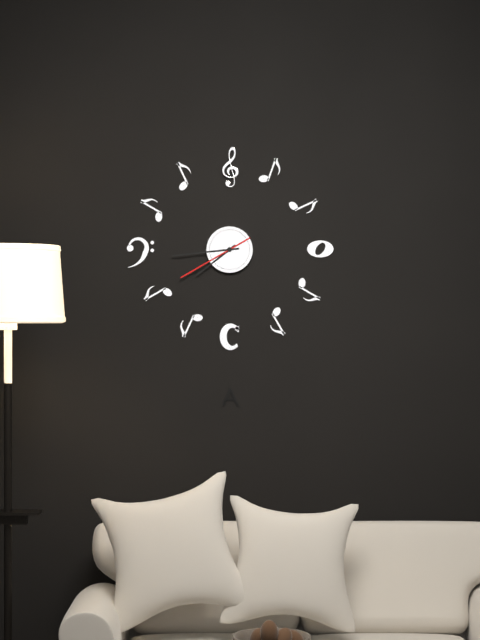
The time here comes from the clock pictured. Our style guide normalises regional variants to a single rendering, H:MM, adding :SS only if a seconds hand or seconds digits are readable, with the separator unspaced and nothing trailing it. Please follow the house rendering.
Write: 7:44:40
